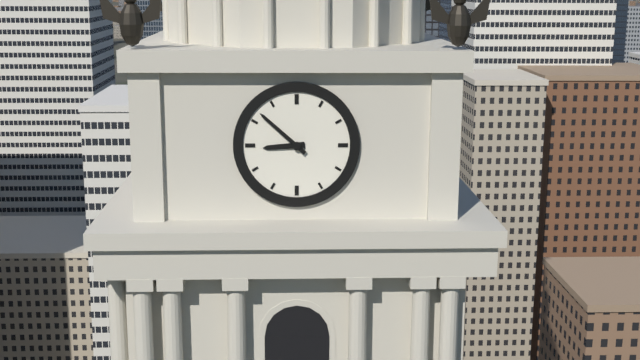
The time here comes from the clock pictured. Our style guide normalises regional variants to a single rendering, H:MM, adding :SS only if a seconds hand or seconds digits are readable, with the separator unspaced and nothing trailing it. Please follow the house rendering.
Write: 8:52
